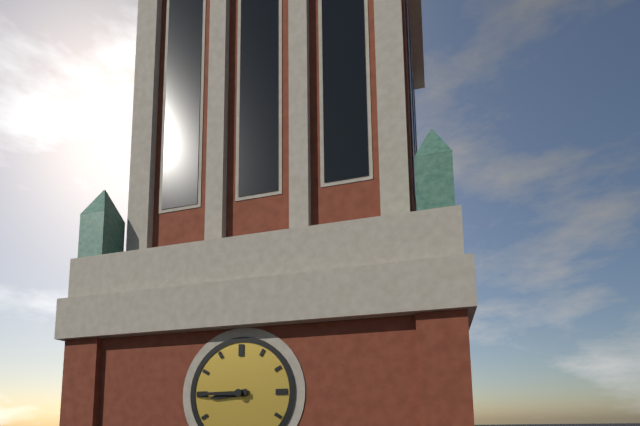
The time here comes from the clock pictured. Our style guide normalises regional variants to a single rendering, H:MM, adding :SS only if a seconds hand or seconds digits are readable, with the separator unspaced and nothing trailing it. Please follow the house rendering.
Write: 8:45
